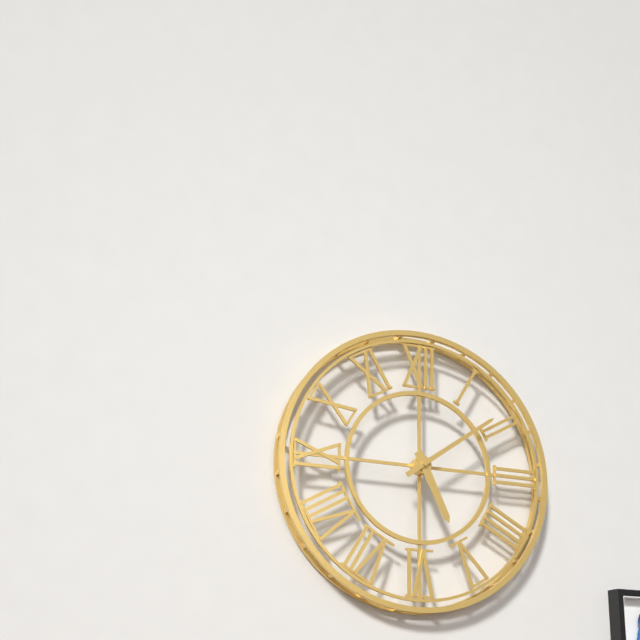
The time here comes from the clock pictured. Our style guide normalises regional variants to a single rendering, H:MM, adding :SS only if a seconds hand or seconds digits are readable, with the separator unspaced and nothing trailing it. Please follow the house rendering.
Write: 5:09
